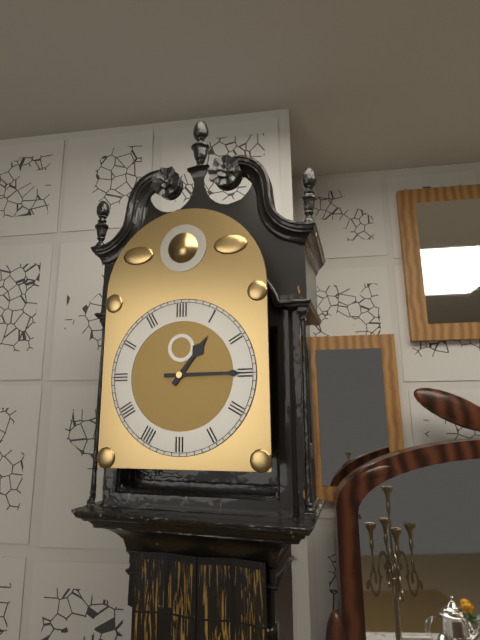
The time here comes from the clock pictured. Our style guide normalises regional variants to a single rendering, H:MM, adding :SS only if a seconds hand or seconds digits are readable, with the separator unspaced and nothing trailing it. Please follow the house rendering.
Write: 1:15
